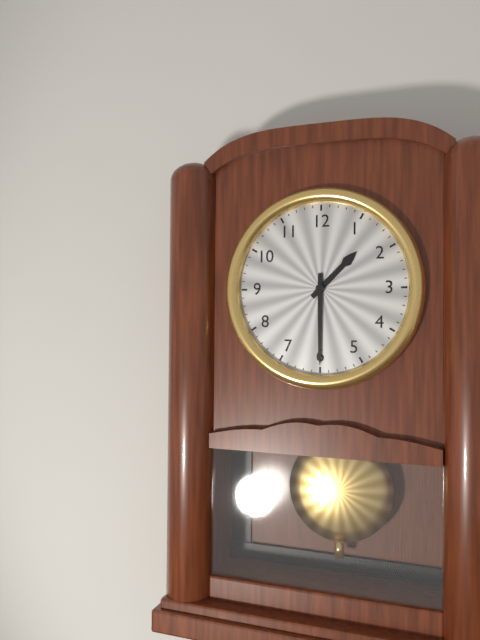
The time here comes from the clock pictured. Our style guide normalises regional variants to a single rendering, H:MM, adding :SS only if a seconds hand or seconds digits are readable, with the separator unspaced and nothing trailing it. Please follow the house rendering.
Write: 1:30
